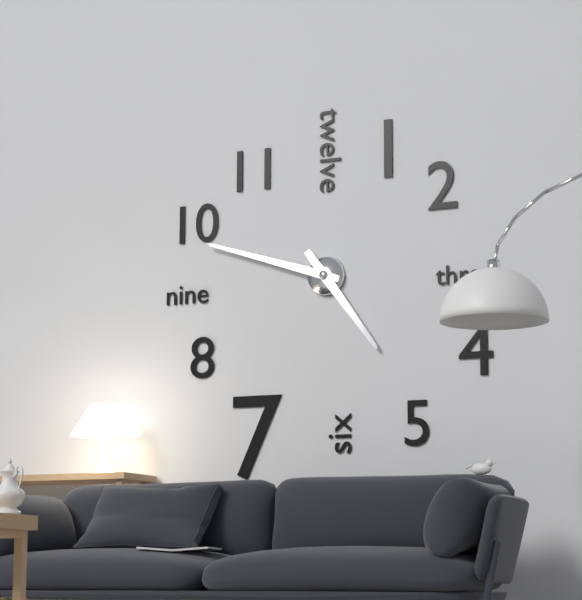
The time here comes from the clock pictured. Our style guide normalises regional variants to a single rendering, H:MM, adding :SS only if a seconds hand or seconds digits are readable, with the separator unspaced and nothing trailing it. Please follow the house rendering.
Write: 4:48
